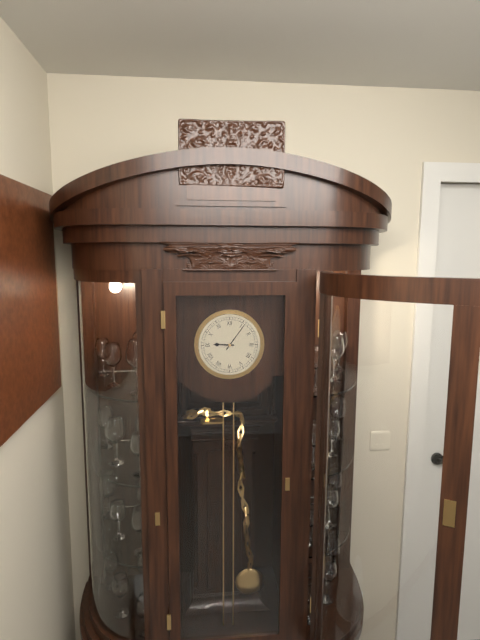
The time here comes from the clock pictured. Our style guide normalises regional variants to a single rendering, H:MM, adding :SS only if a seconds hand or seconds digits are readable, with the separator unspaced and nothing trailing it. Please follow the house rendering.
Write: 9:06
